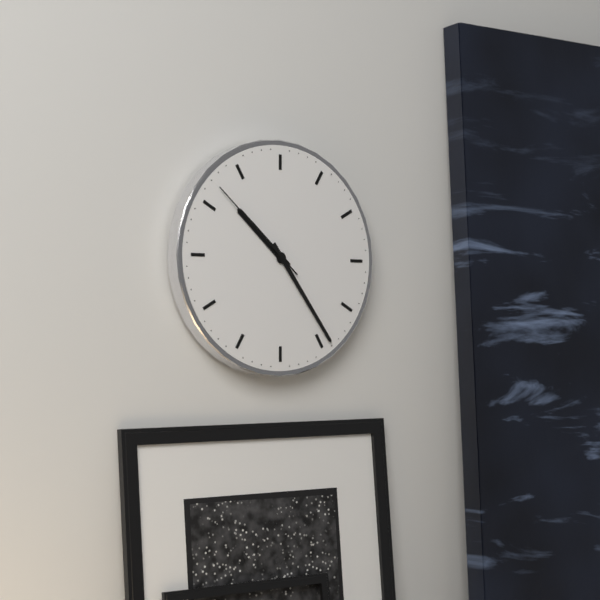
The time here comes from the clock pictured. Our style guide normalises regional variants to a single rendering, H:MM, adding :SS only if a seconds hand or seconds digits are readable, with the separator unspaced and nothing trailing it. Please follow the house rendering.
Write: 10:24:52
